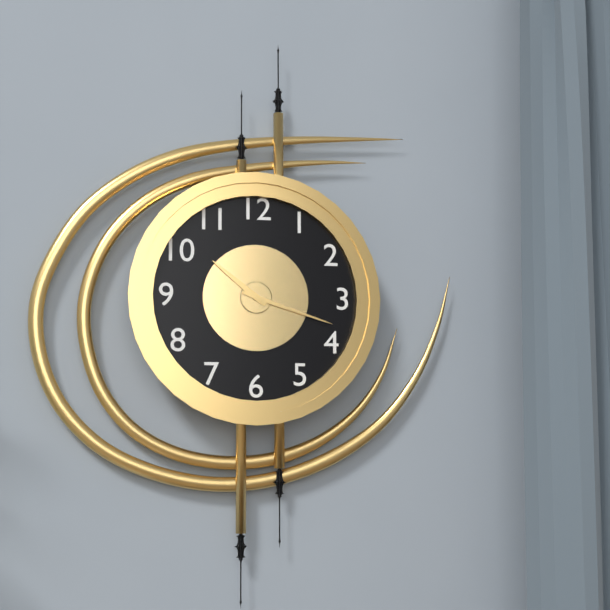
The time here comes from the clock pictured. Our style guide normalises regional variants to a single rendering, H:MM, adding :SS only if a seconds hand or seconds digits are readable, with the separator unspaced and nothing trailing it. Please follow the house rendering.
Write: 10:18
